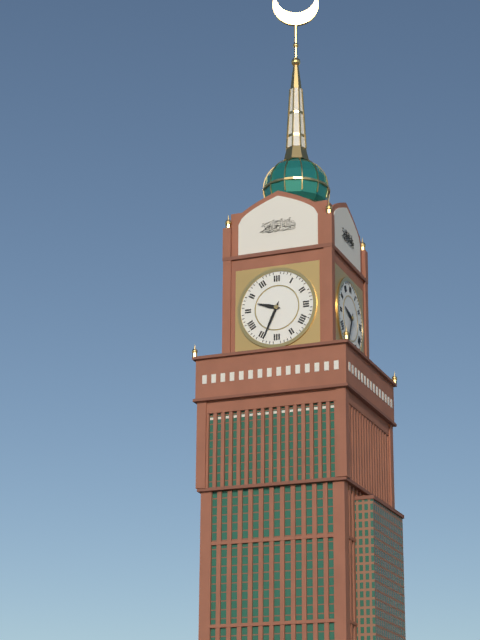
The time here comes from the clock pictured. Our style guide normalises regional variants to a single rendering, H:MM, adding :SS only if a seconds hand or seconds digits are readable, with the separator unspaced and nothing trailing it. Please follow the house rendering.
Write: 9:34
